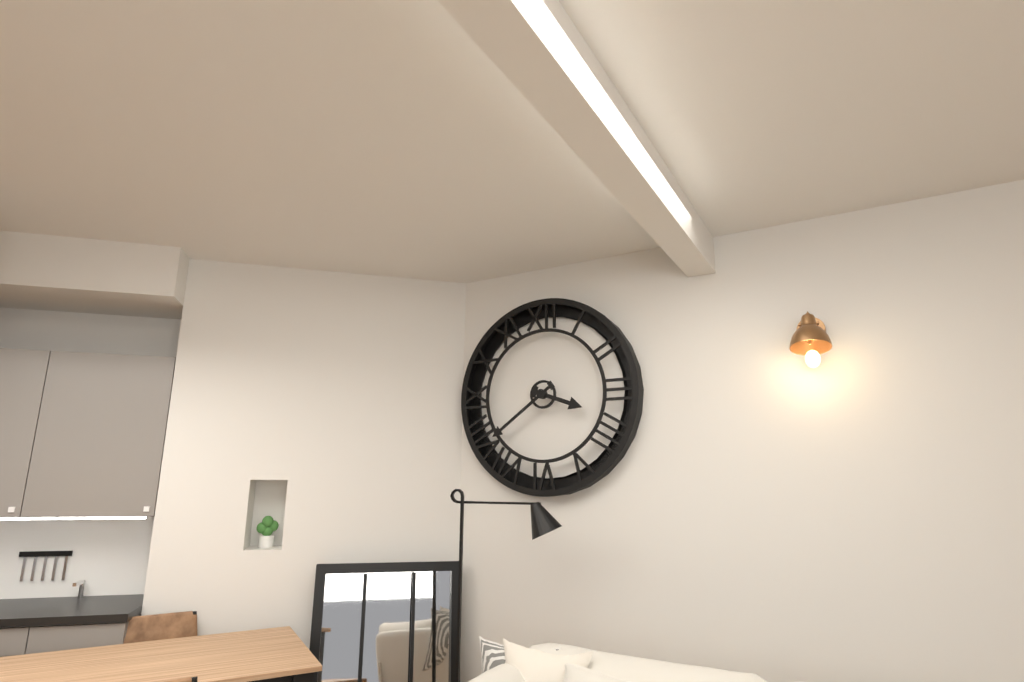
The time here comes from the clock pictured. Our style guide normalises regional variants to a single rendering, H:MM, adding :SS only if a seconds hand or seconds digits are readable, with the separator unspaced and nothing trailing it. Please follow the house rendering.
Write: 3:39
